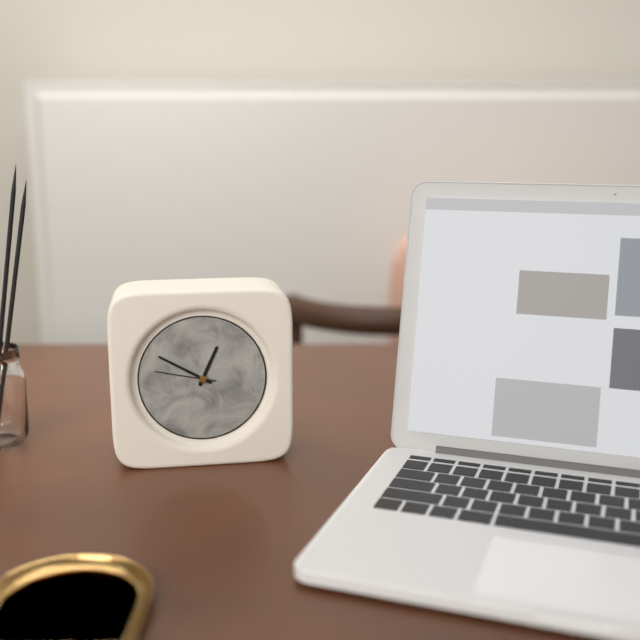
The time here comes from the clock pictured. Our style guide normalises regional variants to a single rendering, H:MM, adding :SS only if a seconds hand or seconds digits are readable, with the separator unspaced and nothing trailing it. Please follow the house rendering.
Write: 12:50:47
